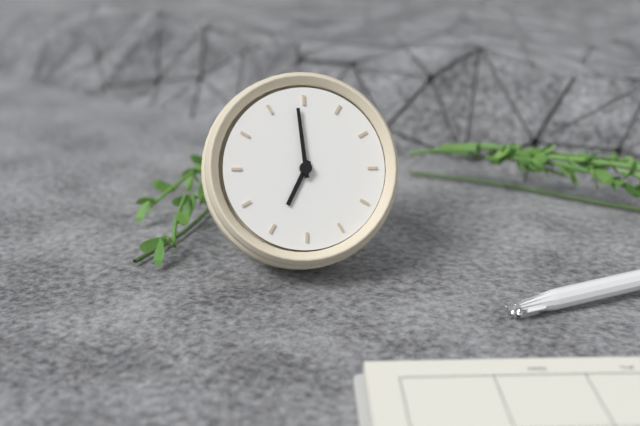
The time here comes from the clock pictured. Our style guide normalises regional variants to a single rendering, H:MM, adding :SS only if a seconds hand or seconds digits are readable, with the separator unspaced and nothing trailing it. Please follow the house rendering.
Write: 5:54
